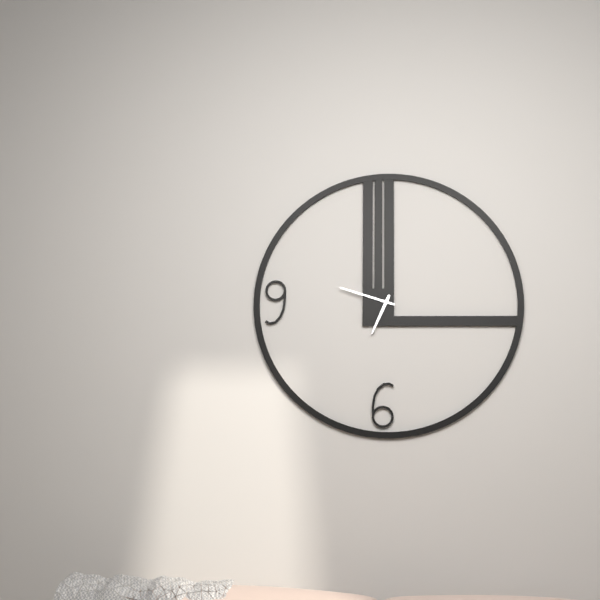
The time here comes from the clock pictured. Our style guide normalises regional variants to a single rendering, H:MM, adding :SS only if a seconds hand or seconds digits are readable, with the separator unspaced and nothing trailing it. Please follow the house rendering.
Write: 6:48
